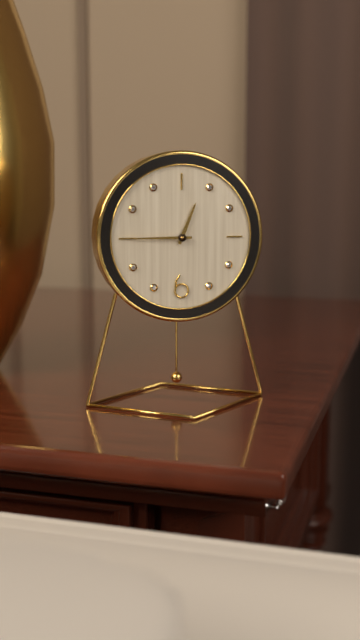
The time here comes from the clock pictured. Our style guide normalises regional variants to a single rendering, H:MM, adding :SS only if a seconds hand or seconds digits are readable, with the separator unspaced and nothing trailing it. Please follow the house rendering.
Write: 12:45
